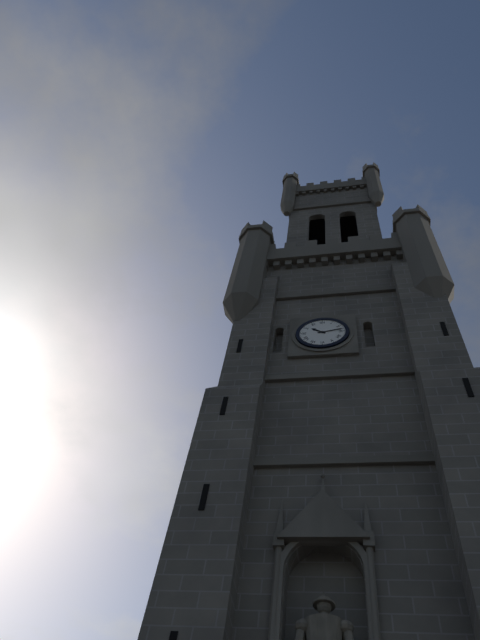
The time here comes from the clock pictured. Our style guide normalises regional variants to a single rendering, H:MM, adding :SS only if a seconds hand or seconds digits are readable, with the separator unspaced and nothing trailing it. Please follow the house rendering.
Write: 10:13
